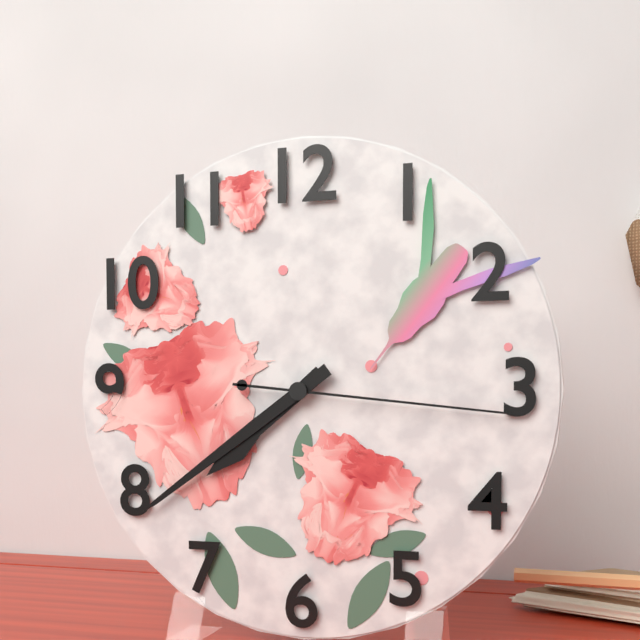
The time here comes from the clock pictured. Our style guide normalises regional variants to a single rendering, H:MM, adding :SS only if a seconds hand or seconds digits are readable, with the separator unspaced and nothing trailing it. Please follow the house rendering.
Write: 7:39:16
